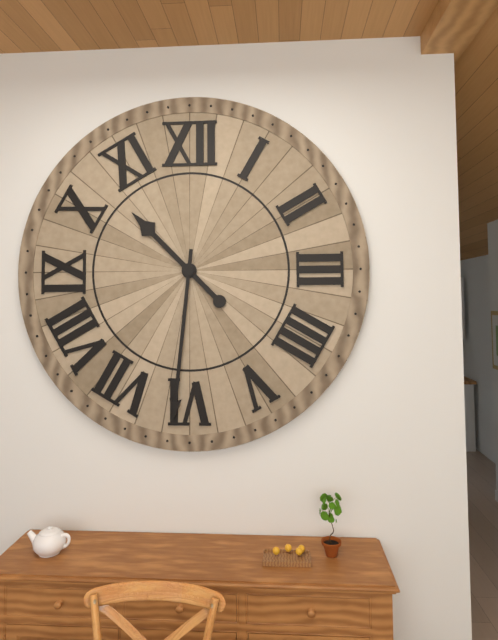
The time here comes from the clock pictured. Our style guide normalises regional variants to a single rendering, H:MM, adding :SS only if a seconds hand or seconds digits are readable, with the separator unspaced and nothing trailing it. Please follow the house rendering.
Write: 10:31
